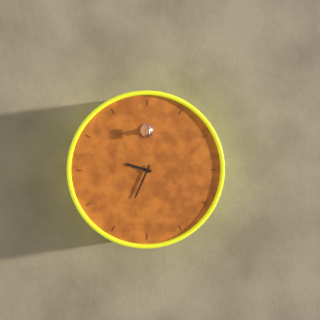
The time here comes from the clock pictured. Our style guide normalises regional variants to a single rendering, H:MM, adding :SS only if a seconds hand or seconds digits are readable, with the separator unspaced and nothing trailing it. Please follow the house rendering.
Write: 9:34
